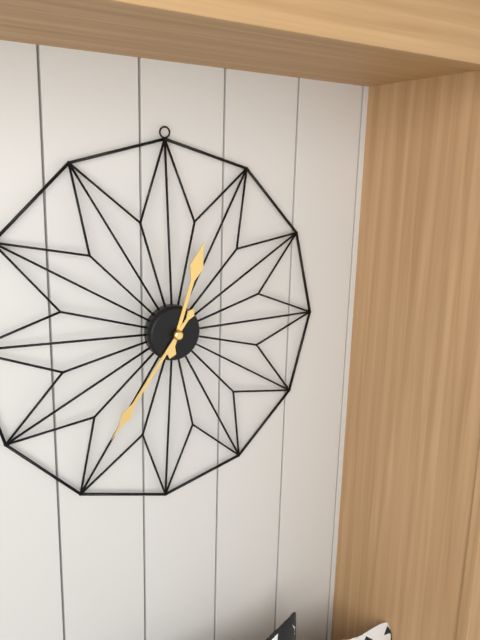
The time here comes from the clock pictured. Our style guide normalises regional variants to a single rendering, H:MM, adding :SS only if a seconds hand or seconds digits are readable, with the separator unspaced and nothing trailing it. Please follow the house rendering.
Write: 12:36
